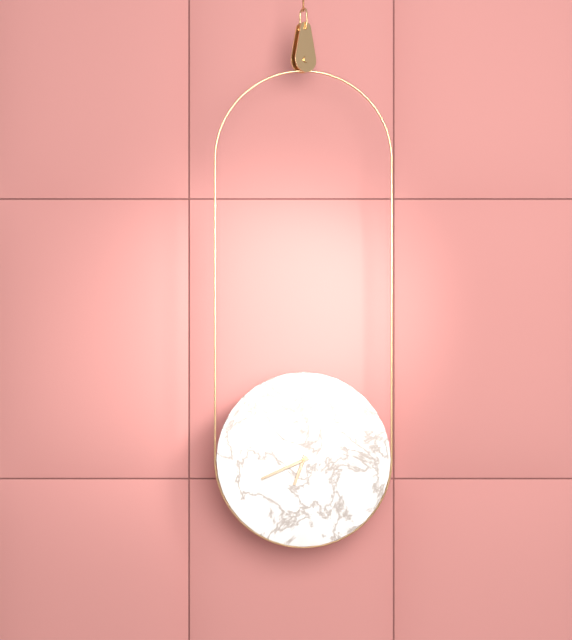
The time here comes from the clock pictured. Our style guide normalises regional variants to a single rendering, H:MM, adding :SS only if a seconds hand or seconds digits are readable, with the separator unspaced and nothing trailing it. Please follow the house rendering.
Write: 6:41
